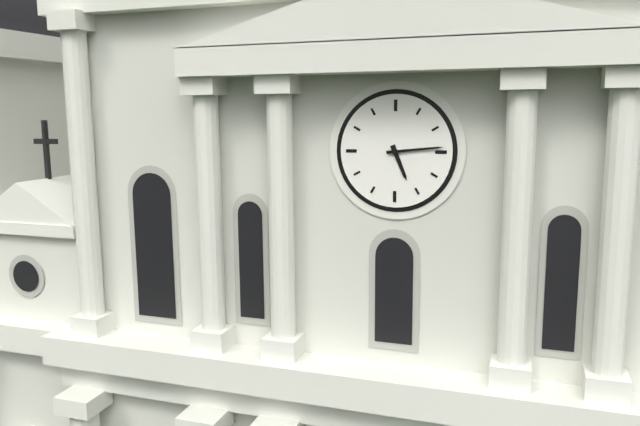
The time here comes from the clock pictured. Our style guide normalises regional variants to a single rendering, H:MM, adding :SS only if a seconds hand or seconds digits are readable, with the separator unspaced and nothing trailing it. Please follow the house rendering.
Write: 5:14
